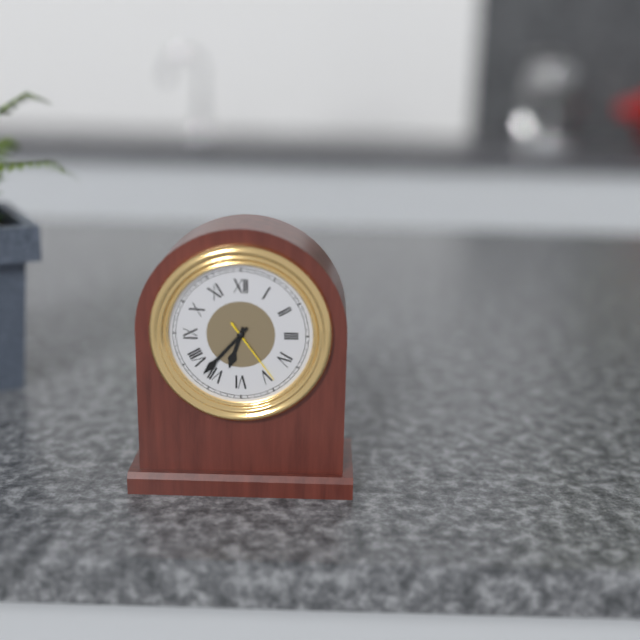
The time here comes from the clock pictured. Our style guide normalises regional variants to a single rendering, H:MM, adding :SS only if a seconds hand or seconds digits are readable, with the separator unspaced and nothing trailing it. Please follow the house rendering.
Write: 6:37:24
